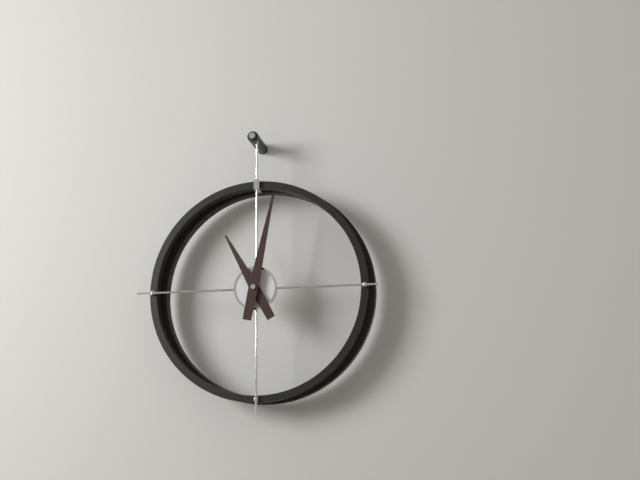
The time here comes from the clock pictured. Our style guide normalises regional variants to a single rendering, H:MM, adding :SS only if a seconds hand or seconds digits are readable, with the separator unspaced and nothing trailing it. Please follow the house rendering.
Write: 11:02
